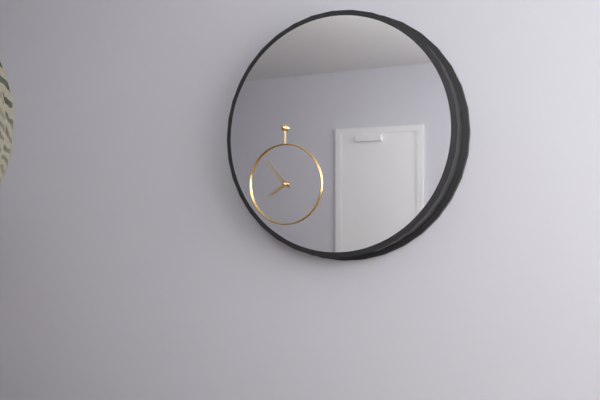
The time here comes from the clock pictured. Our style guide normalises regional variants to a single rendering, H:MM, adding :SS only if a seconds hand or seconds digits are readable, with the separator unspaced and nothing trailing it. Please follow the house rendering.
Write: 7:53
